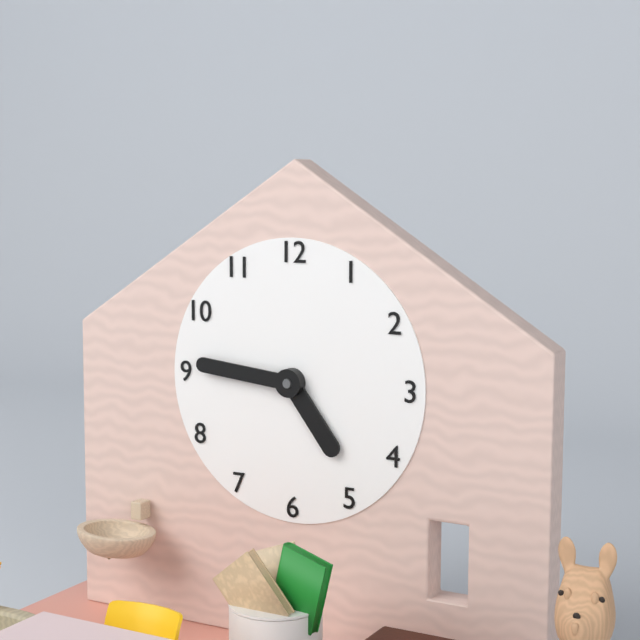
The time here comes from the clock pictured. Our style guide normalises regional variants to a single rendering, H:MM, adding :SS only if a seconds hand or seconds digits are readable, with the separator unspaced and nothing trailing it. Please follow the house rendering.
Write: 4:46
